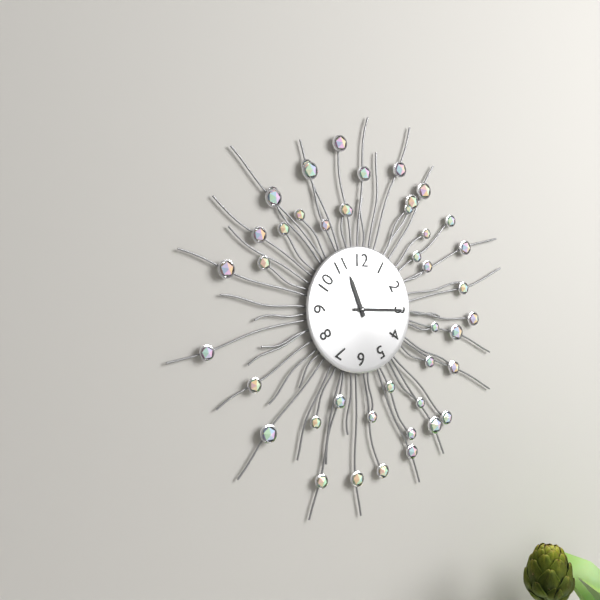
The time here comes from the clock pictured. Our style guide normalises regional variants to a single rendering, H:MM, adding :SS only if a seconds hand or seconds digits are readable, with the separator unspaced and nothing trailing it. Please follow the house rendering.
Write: 11:15
